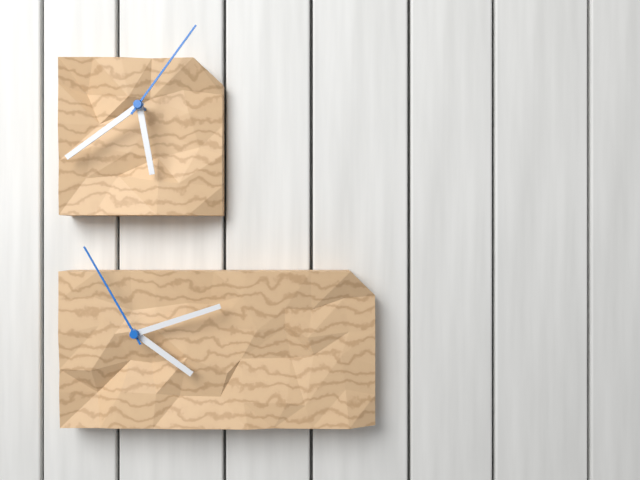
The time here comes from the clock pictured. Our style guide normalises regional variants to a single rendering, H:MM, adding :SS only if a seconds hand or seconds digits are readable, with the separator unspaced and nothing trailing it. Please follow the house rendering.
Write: 5:39:06
